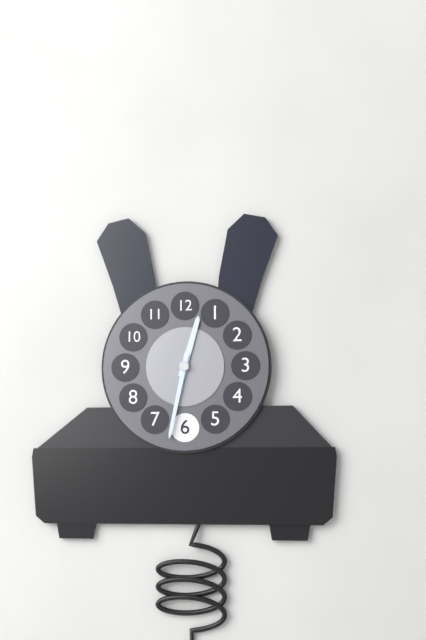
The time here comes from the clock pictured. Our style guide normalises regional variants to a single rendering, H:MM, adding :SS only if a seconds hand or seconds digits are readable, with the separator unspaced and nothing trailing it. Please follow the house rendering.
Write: 12:32
